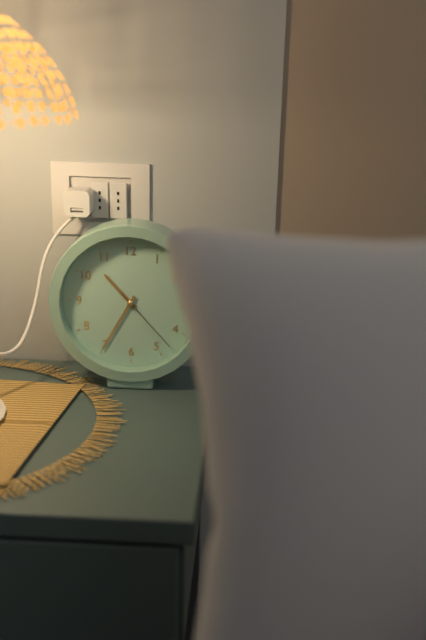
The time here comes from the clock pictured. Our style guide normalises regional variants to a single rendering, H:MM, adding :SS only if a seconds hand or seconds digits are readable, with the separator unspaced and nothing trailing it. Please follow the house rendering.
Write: 10:35:23
